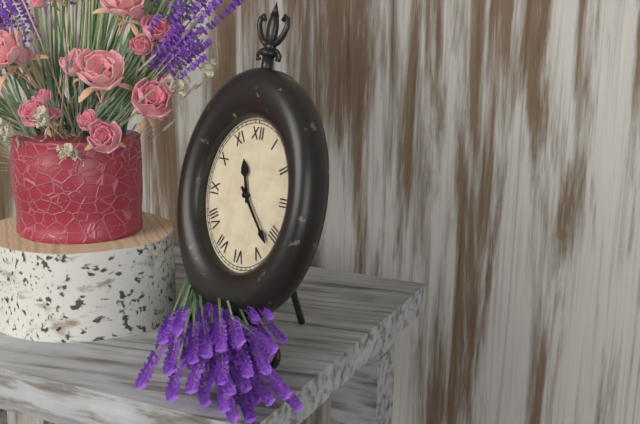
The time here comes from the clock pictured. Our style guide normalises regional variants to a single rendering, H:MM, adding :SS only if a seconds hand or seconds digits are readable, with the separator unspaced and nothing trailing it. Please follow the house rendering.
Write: 11:23
